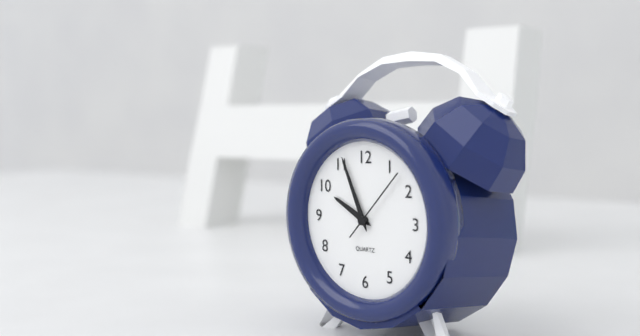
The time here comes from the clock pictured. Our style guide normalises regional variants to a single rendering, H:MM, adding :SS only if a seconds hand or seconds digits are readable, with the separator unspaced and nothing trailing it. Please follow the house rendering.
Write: 9:56:07
